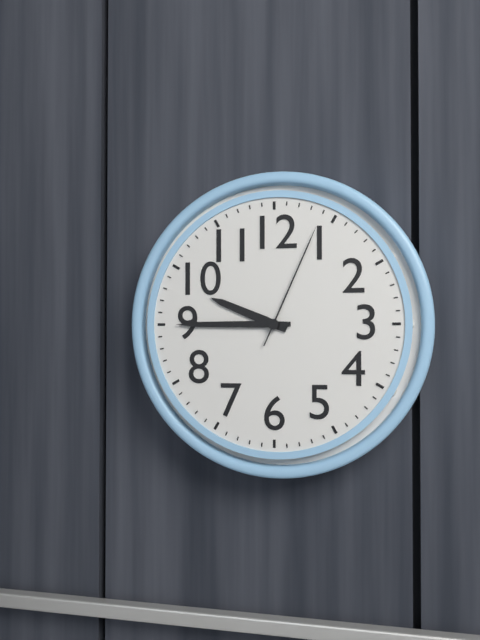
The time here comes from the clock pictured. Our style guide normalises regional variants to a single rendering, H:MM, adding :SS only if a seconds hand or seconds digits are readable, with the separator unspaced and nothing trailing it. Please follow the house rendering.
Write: 9:45:04
